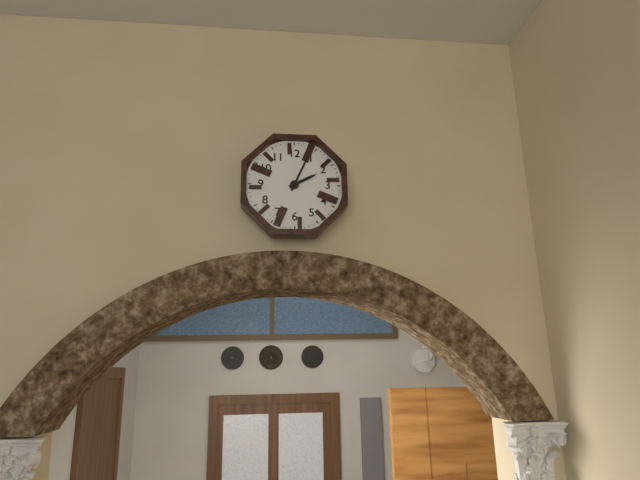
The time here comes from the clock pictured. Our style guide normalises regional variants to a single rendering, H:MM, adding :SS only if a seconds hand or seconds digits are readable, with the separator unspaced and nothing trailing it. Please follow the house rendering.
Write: 2:04
